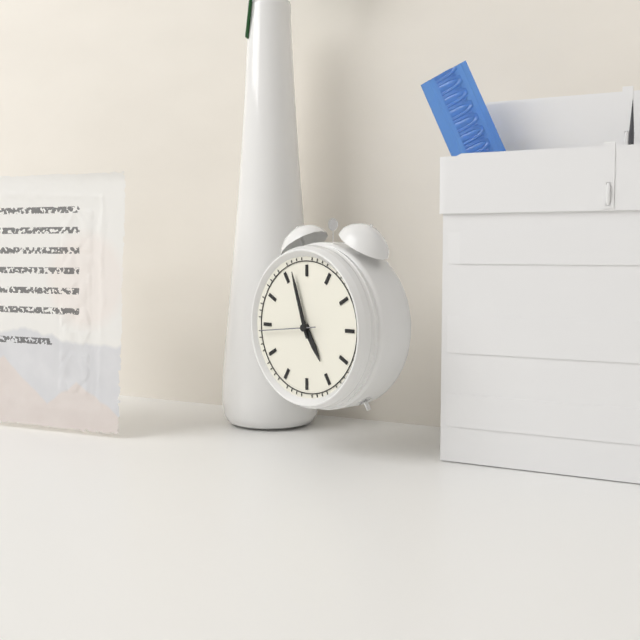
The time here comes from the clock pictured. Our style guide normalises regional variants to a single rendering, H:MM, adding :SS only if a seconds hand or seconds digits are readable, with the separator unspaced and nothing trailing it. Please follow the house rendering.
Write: 4:57:44
